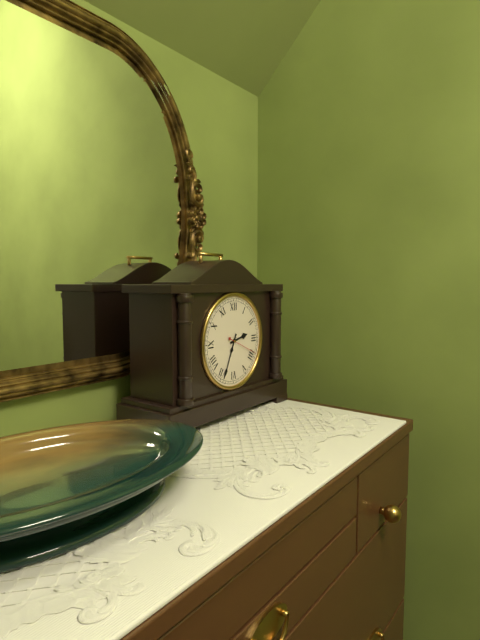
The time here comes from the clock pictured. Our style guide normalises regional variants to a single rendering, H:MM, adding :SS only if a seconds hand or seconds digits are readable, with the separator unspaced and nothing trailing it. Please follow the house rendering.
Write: 2:34
